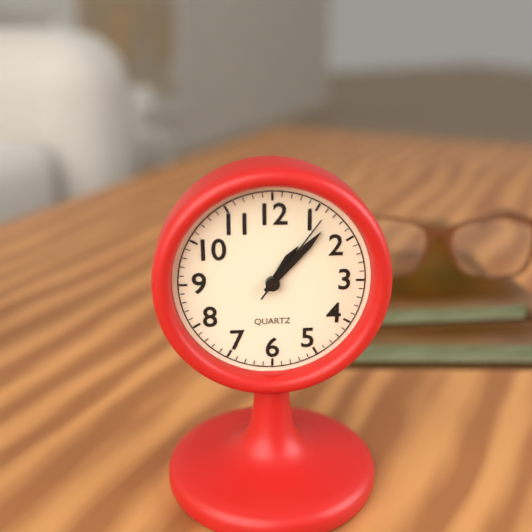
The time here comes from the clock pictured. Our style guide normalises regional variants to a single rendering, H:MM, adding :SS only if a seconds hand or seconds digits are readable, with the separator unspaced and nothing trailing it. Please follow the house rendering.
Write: 1:07:06
